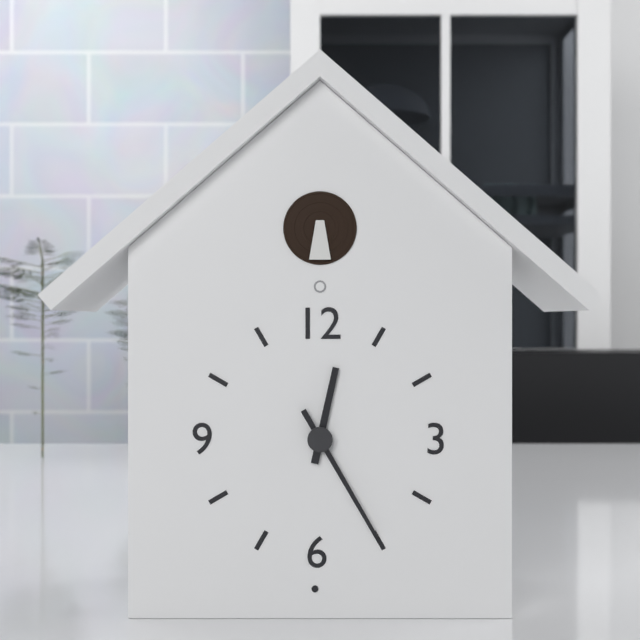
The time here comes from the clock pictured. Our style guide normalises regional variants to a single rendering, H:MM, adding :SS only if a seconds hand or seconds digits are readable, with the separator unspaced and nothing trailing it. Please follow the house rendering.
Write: 12:25
